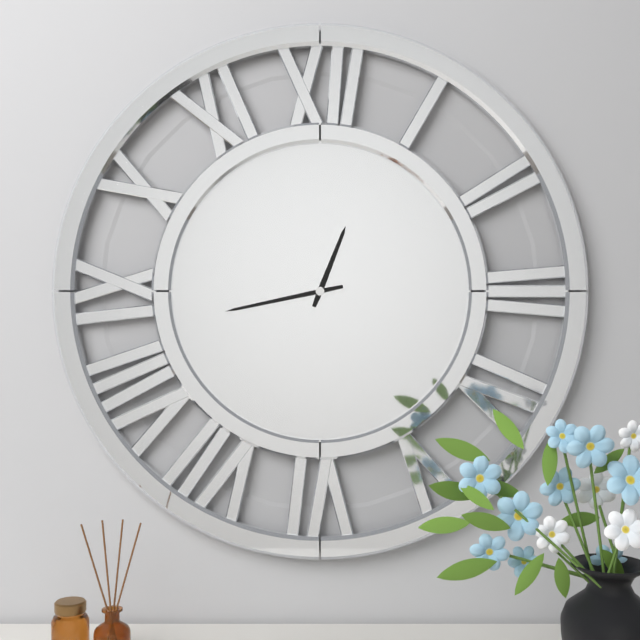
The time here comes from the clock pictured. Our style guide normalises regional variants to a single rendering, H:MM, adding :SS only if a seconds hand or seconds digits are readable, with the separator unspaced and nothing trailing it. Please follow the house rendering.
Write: 12:43
